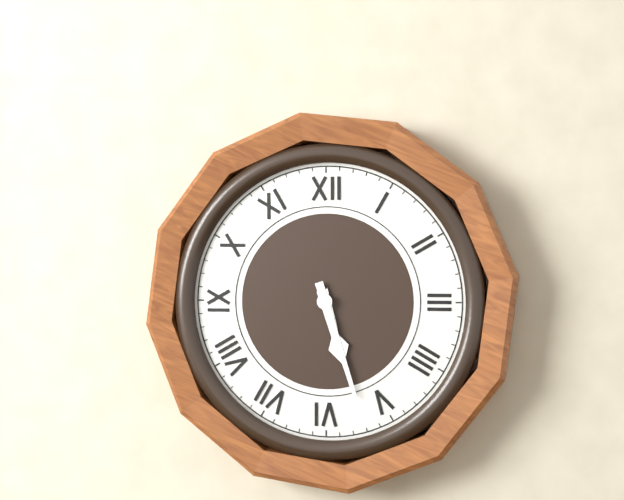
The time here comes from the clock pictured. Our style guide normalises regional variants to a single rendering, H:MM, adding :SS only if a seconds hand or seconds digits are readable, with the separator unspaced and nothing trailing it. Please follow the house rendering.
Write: 5:27
